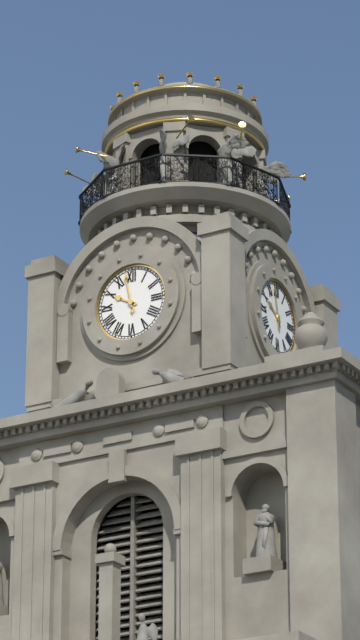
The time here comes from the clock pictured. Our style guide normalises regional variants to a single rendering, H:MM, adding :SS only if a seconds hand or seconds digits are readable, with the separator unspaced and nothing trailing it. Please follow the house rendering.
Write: 9:58
